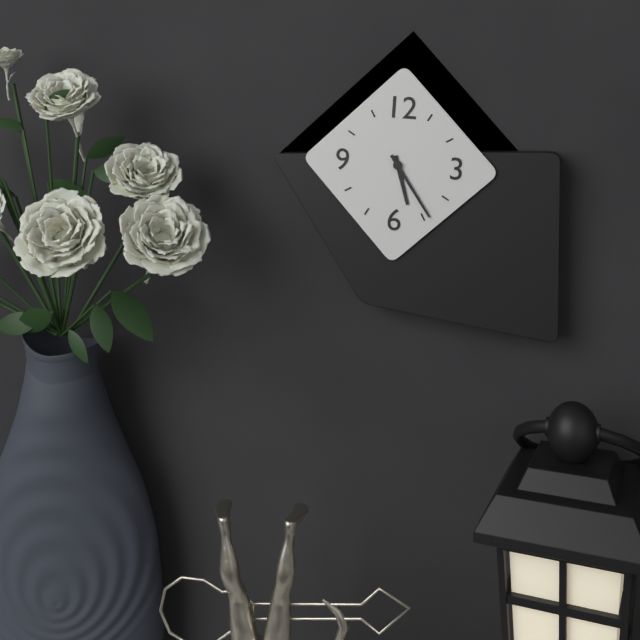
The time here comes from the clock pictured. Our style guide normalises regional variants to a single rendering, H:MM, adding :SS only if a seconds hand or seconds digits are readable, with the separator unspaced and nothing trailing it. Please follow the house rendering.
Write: 5:24
